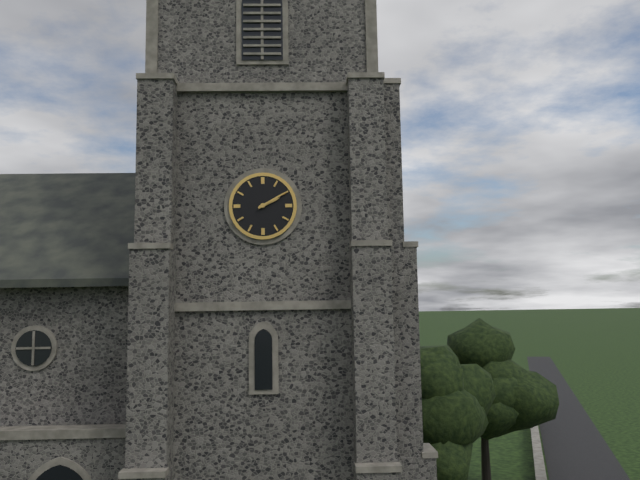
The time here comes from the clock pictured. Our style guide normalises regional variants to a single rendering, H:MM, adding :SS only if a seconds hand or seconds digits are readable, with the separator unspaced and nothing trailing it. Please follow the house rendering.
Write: 2:10
